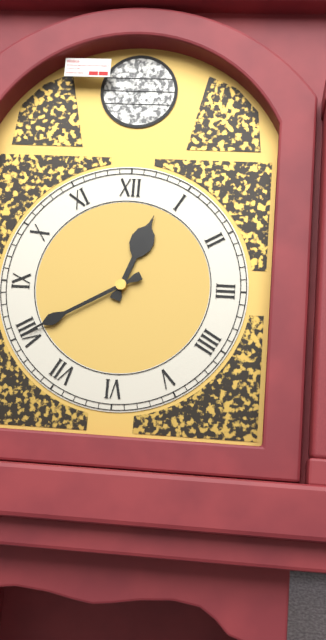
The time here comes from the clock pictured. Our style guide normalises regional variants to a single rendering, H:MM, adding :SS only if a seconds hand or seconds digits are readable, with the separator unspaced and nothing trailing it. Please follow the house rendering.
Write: 12:40
